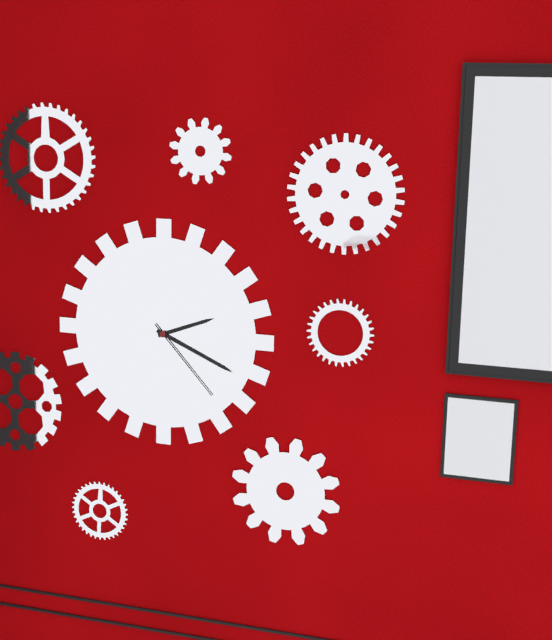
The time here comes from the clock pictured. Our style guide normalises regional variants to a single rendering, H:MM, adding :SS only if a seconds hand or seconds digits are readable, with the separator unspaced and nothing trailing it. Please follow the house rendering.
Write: 2:19:23
